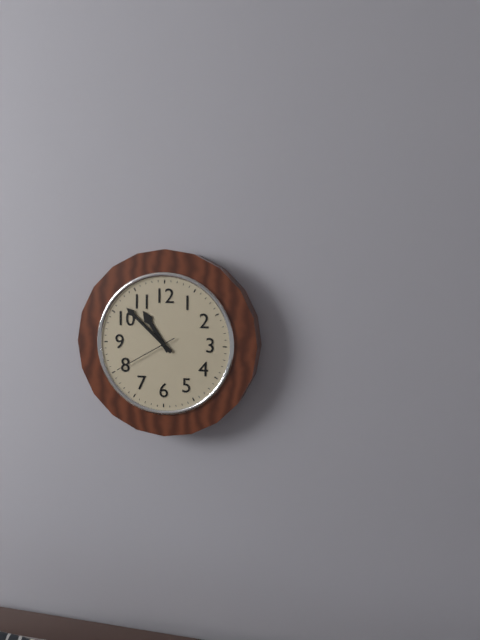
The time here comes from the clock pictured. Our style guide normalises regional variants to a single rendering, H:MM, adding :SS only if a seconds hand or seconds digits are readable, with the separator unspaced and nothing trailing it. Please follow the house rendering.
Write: 10:52:40
